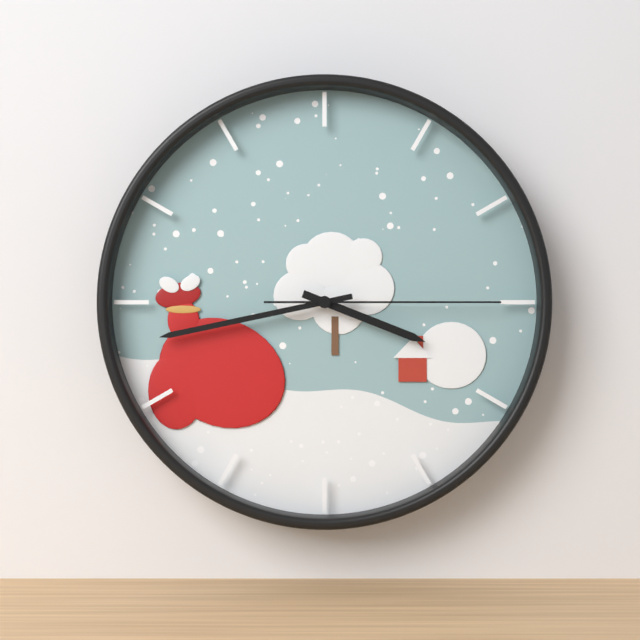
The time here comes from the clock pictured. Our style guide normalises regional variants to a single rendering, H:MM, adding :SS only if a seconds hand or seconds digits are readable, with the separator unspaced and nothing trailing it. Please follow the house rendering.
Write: 3:43:15
